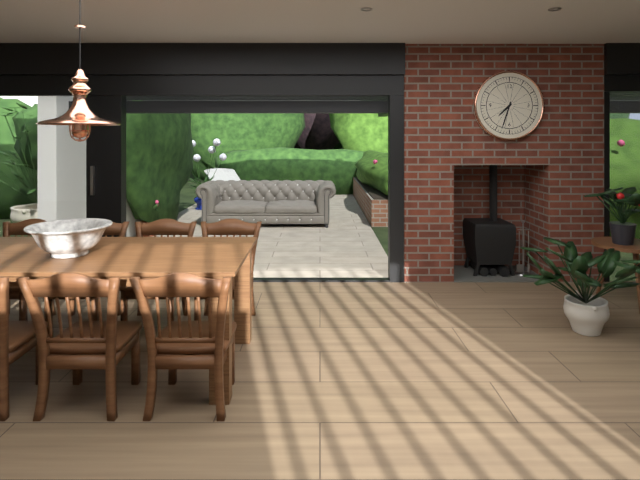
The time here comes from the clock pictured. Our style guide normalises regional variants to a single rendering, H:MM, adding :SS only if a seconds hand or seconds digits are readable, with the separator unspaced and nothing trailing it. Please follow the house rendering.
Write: 7:33
